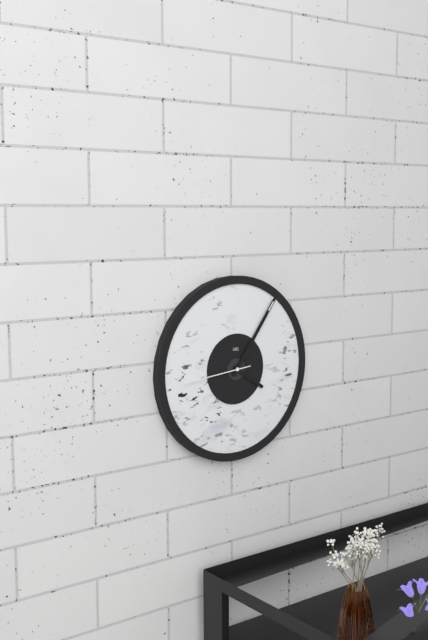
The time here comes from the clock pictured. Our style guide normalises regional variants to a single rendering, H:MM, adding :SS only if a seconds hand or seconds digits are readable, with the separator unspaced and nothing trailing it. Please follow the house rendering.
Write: 4:06:44
